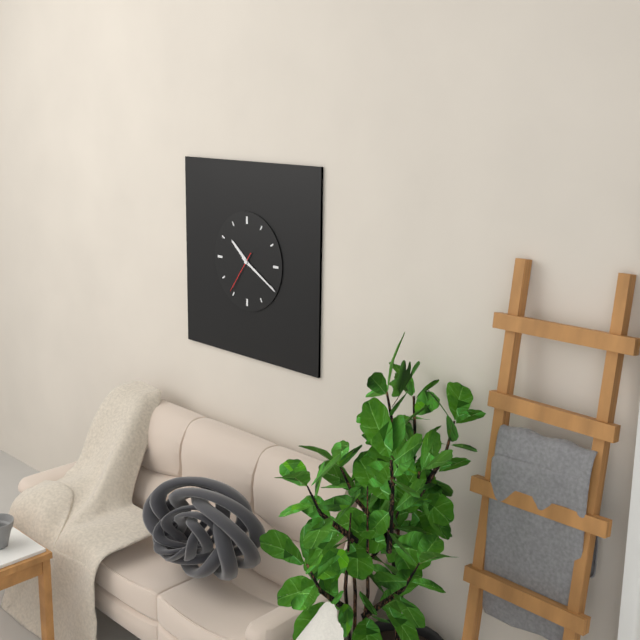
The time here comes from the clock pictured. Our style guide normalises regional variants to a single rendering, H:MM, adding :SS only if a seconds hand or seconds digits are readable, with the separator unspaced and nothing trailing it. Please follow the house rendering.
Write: 10:20
